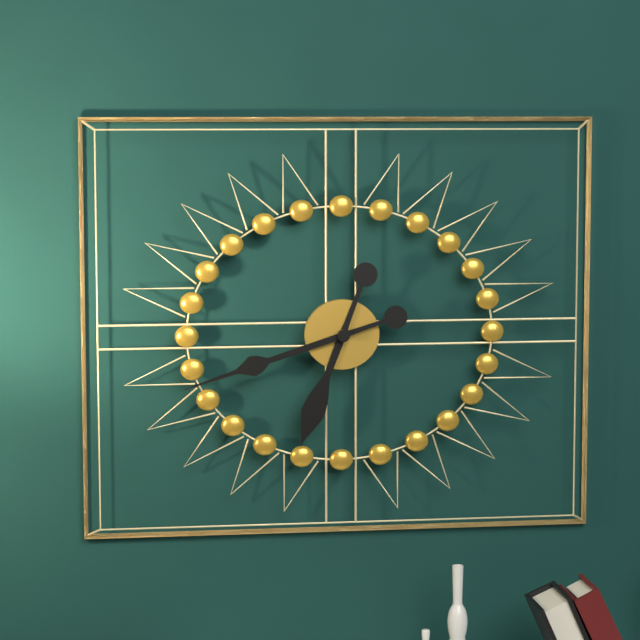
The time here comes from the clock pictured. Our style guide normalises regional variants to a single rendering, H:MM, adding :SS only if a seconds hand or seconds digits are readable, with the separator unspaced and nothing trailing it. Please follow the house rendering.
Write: 6:42
